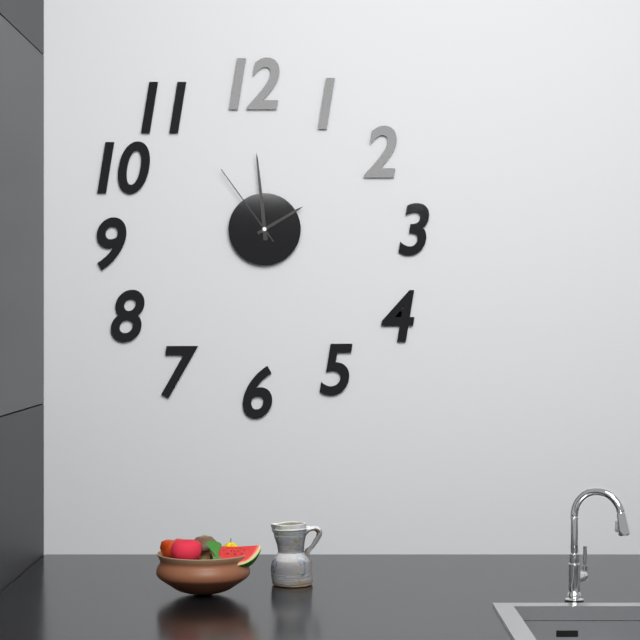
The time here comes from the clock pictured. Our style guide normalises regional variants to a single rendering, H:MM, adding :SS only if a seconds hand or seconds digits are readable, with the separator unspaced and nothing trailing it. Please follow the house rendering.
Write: 1:59:54
